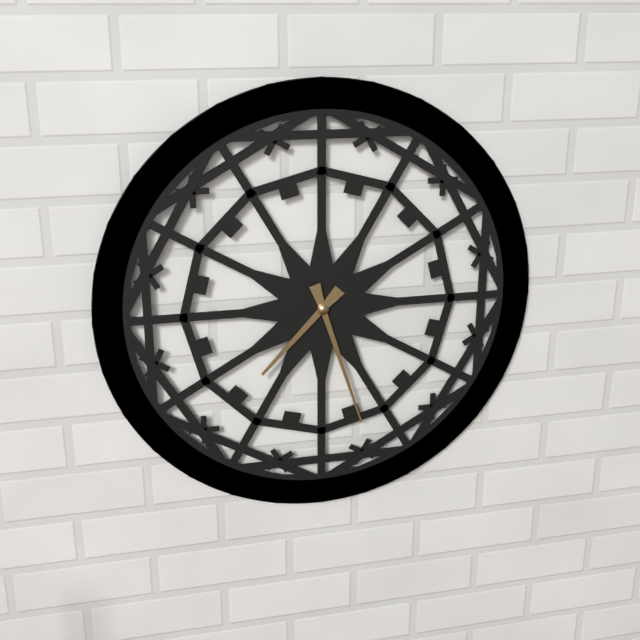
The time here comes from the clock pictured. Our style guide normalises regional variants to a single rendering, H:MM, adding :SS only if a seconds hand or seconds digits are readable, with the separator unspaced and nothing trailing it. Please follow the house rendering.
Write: 7:27
